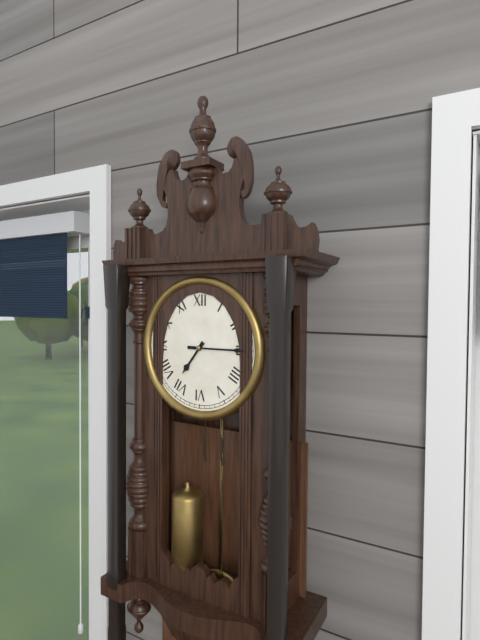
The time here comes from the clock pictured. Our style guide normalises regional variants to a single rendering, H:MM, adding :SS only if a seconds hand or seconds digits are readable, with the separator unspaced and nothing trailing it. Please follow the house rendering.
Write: 7:15
